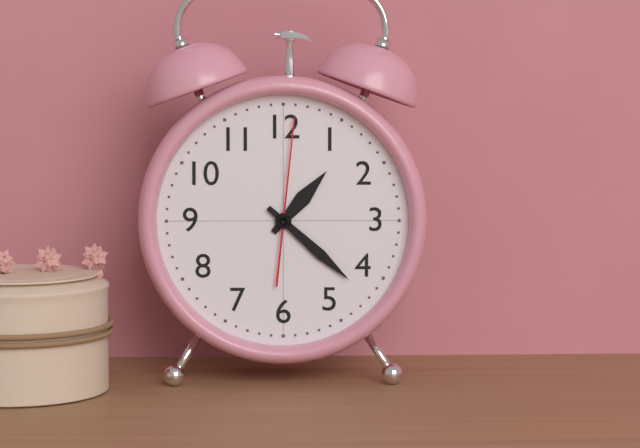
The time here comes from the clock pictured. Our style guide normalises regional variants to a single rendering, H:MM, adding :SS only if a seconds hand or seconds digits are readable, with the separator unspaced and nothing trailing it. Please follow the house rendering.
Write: 1:22:01
